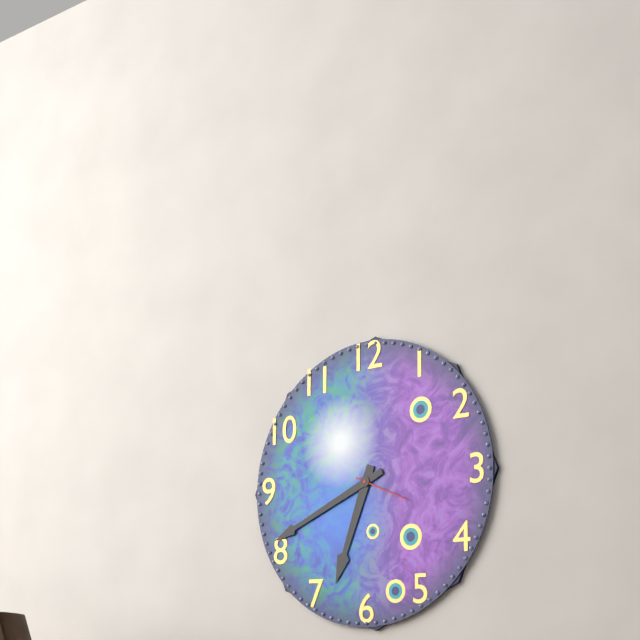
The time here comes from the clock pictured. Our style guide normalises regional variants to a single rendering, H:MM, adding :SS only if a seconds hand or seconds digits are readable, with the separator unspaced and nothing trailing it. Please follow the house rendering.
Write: 6:41:19
